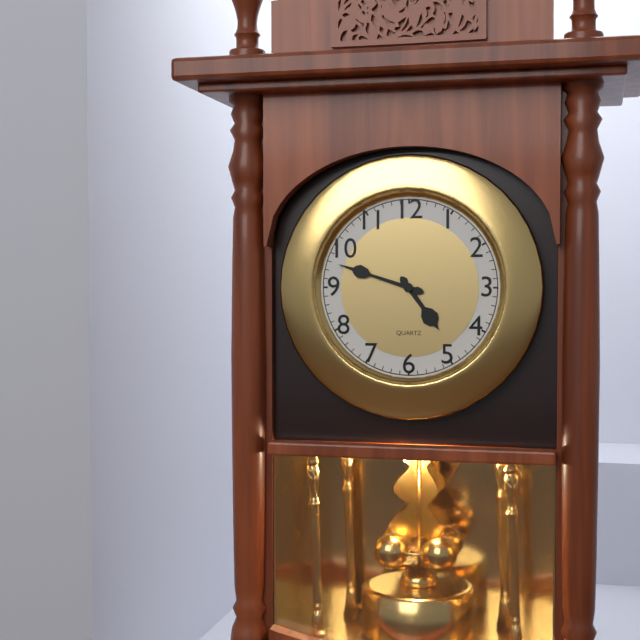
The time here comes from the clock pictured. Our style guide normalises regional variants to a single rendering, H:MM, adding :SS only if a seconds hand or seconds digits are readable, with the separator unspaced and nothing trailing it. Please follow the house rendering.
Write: 4:48
